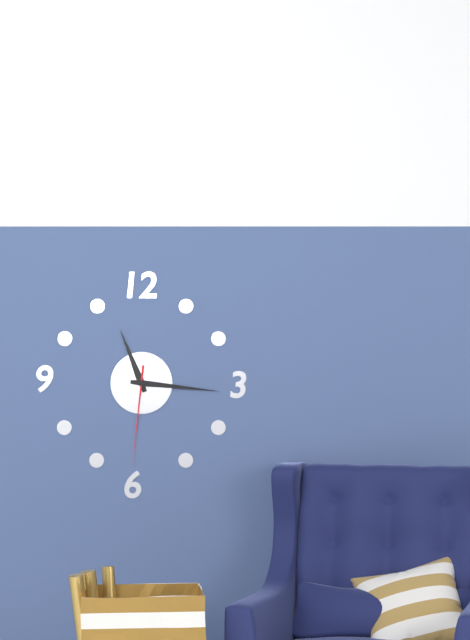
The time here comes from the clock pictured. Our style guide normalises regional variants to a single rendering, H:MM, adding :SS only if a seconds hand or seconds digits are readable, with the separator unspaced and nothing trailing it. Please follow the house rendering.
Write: 11:16:31
